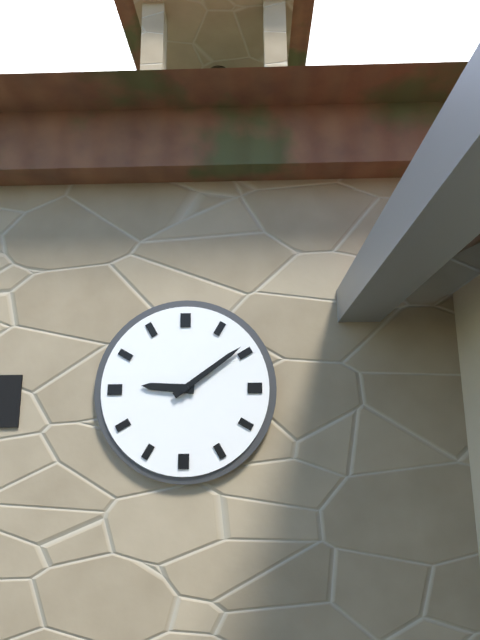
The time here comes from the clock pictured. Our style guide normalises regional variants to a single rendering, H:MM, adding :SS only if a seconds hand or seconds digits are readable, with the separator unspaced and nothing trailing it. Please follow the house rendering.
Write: 9:09
